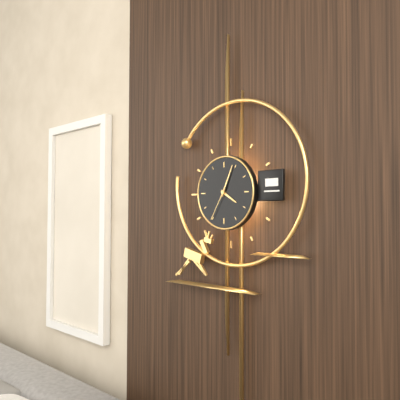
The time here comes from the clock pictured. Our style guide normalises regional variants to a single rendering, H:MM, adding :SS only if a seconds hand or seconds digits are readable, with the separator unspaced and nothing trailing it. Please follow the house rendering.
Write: 4:04
